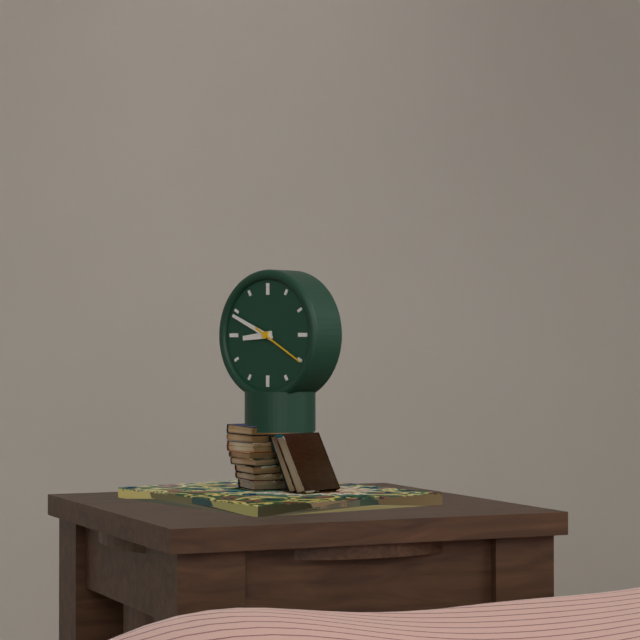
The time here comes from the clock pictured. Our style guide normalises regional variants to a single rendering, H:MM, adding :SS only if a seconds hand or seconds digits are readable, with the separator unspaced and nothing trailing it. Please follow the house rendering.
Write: 8:49
